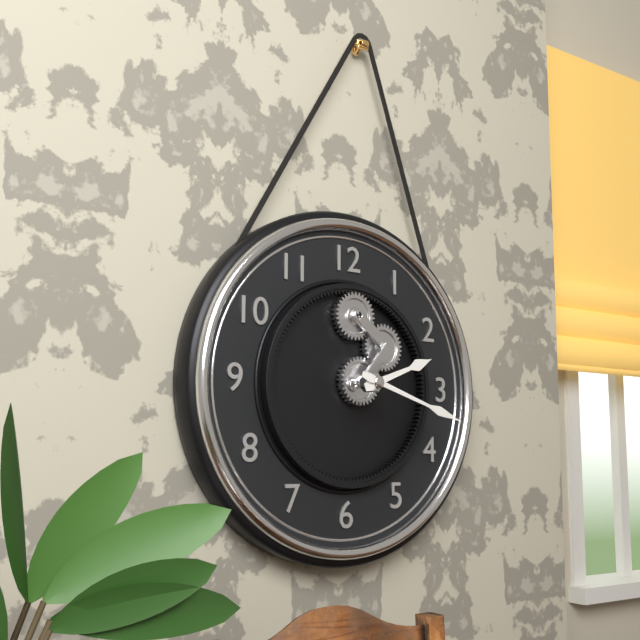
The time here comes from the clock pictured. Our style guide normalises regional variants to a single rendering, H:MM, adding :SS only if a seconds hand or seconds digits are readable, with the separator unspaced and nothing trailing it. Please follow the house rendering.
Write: 2:18
